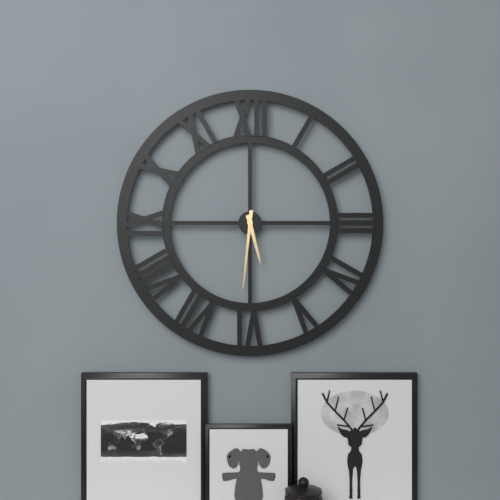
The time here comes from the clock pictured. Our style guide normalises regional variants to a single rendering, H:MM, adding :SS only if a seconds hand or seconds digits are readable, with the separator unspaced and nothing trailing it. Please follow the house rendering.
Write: 5:31
